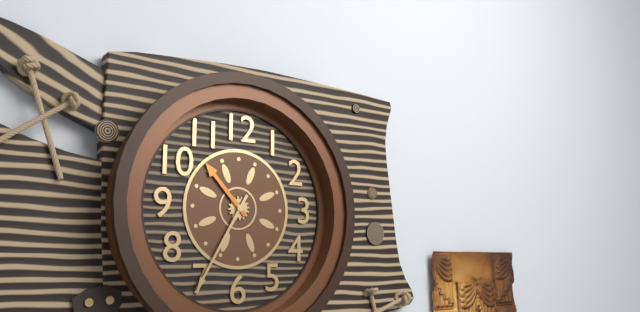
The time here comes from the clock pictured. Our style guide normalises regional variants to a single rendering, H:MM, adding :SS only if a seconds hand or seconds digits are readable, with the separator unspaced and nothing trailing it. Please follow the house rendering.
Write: 10:35
